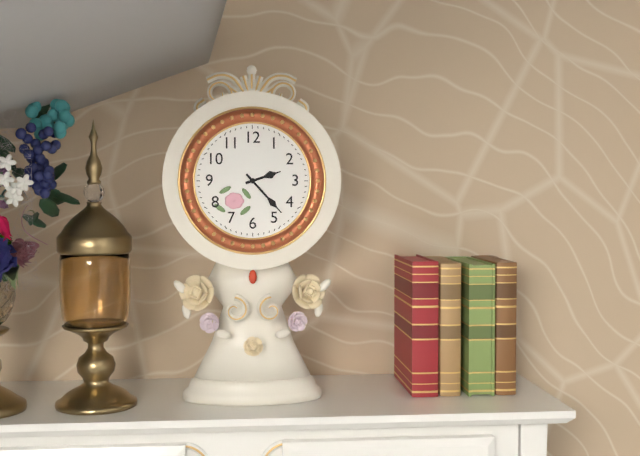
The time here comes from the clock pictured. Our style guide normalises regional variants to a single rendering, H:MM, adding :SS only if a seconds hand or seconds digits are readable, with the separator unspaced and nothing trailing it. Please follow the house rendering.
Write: 2:23
